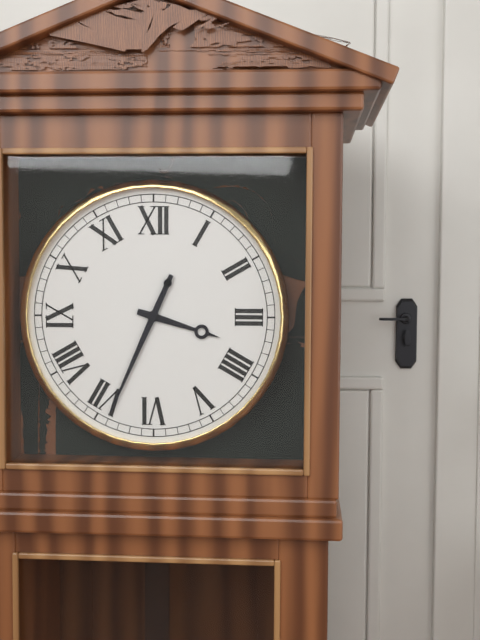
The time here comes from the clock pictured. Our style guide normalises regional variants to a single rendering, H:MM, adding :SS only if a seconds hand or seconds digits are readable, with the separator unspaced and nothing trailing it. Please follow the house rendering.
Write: 3:34
